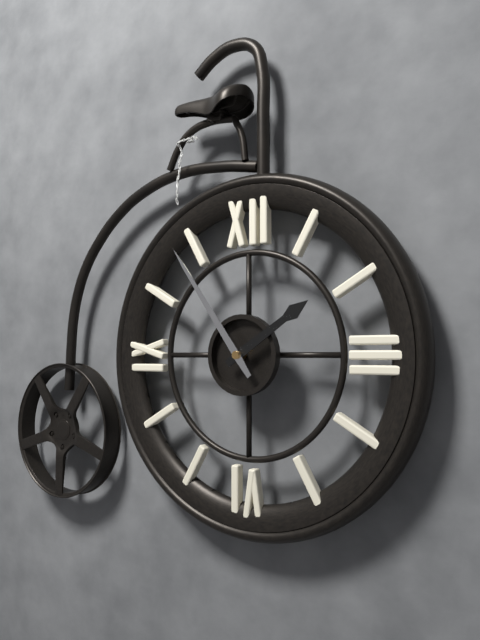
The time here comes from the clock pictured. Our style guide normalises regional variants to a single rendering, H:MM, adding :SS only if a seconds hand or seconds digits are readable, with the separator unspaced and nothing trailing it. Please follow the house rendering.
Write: 1:54
